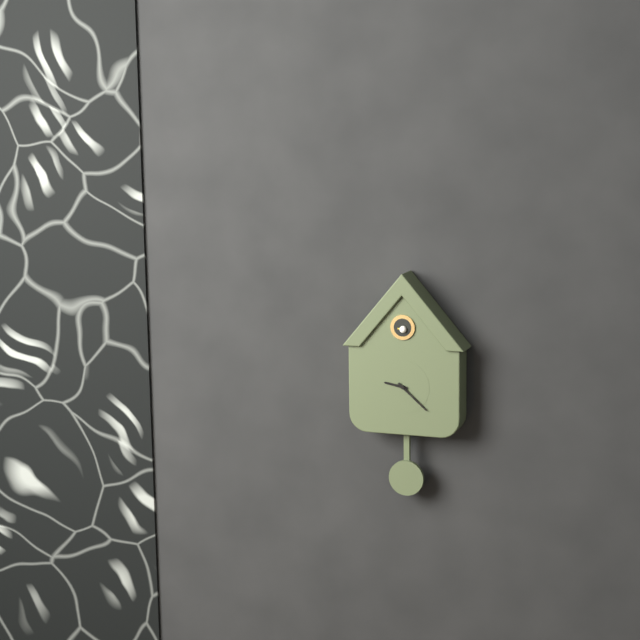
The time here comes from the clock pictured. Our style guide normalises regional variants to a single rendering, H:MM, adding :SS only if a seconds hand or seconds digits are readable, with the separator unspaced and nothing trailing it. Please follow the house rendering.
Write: 9:22
